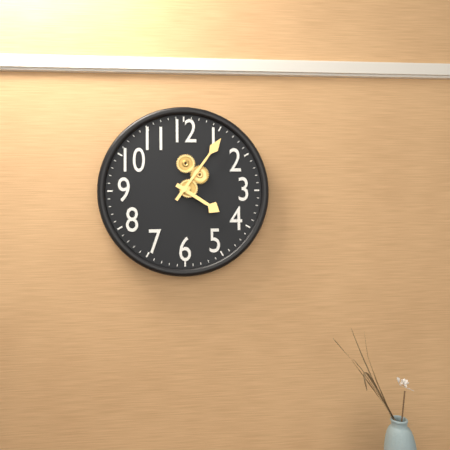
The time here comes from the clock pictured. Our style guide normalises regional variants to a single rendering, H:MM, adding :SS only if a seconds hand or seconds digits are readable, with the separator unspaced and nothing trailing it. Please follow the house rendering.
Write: 4:06
